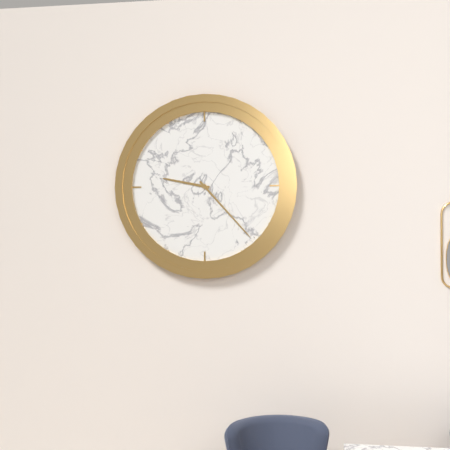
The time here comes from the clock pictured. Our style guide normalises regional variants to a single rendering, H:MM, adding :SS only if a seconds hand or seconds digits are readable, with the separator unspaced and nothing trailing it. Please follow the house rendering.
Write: 9:23
